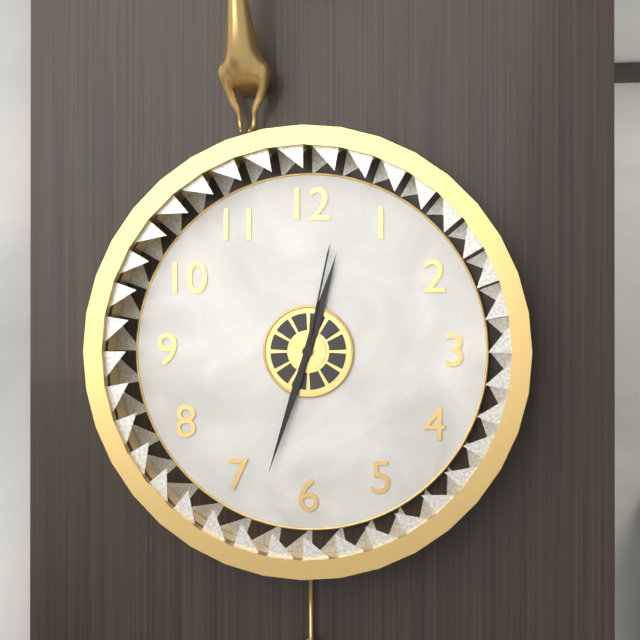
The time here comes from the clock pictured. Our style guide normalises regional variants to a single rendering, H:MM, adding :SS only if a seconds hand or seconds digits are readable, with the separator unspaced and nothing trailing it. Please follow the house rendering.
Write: 12:33:02
